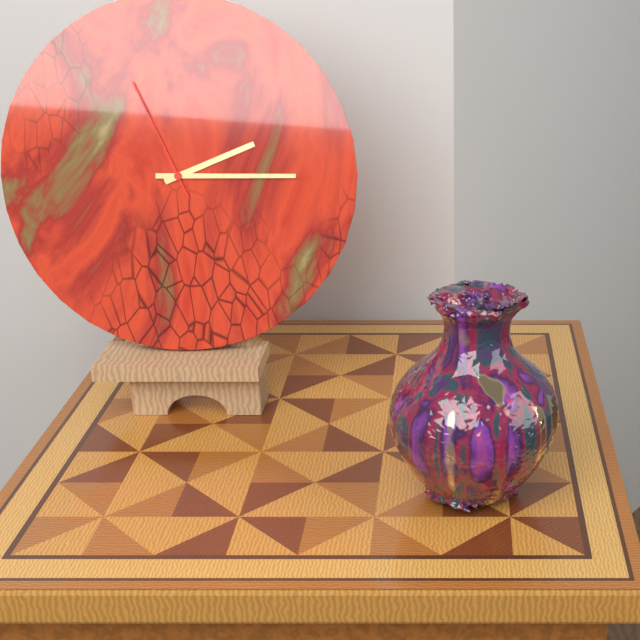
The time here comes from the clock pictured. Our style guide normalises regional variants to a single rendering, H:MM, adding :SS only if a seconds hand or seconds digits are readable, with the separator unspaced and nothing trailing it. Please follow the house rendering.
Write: 2:15:56
